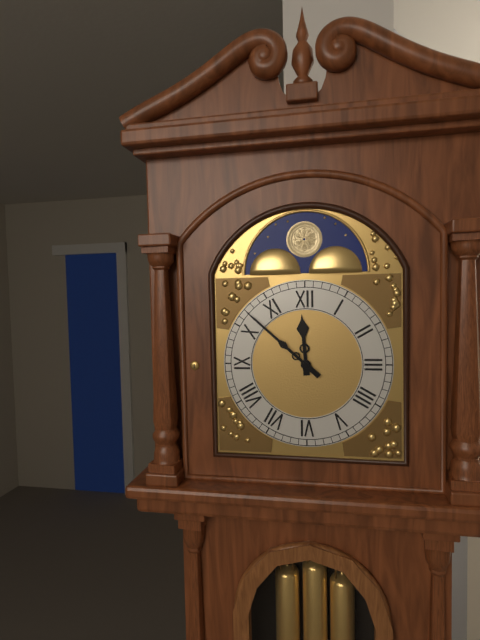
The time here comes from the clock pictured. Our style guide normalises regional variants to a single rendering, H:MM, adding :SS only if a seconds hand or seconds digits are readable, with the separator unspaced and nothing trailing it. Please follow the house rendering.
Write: 11:52
